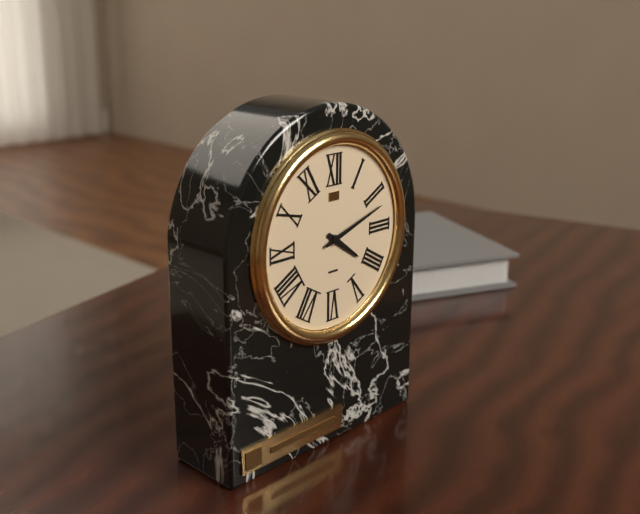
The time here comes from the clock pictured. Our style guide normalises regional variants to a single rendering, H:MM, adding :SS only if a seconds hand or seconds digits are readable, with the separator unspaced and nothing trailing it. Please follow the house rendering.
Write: 4:12
